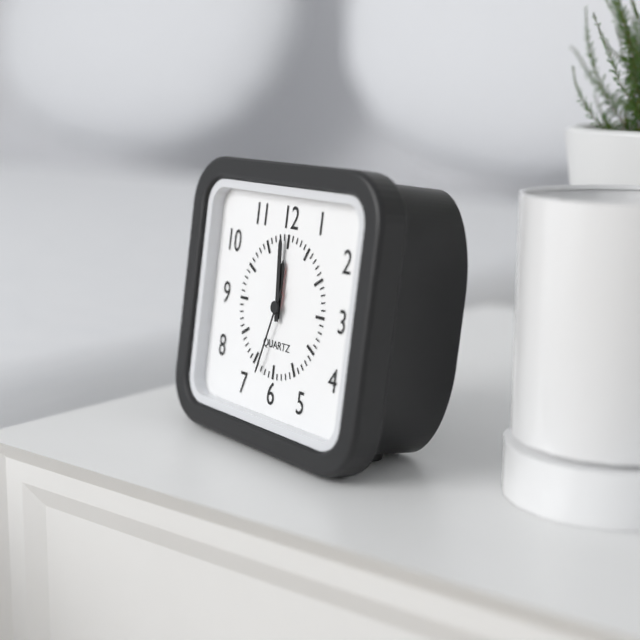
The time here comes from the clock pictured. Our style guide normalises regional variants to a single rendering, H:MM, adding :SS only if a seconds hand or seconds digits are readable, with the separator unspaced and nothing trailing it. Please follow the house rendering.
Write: 11:59:33
